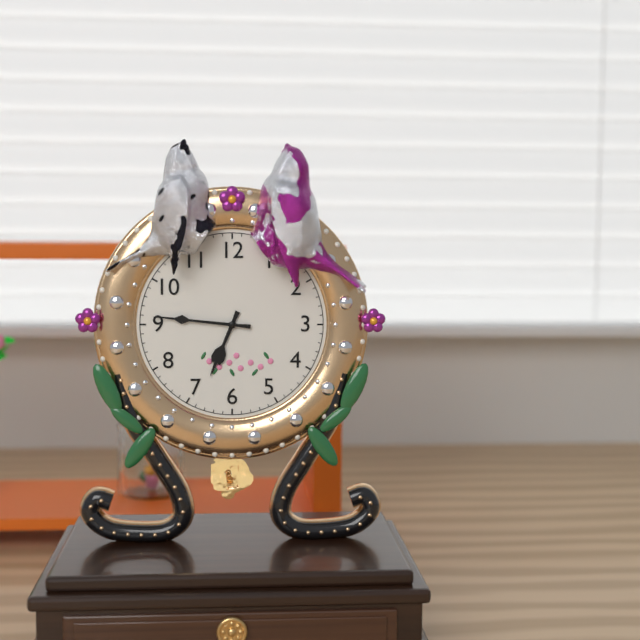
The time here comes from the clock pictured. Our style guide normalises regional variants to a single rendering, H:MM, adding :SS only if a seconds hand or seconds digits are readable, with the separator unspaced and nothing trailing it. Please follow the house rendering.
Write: 6:46
